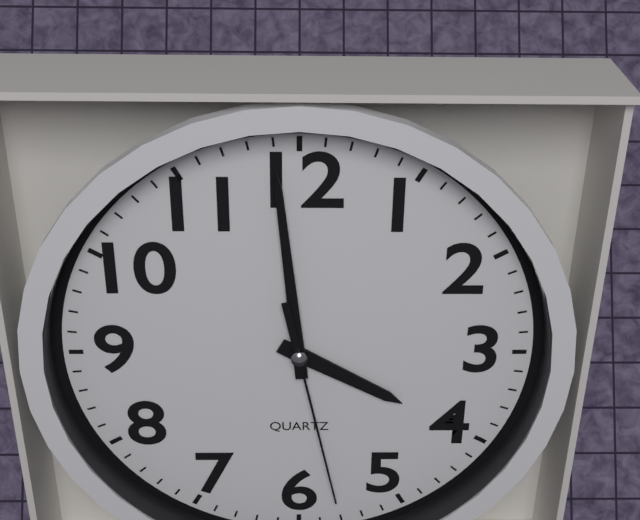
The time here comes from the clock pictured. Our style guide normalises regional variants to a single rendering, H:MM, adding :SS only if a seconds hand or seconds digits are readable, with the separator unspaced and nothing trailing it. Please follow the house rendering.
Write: 3:59:28
